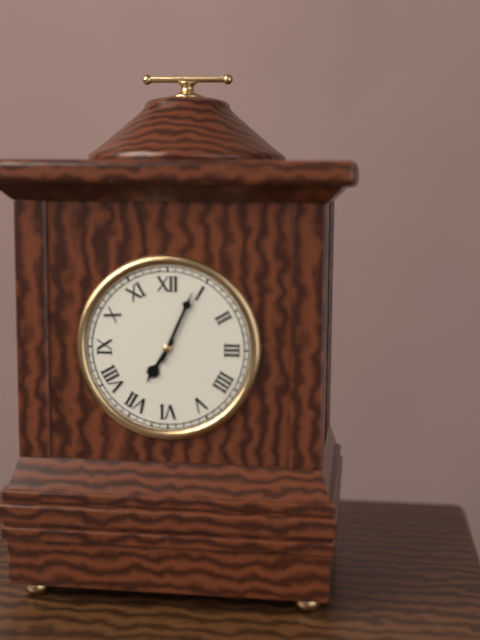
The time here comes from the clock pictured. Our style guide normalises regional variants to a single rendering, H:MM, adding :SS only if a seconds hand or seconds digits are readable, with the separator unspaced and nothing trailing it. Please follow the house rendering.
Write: 7:04
